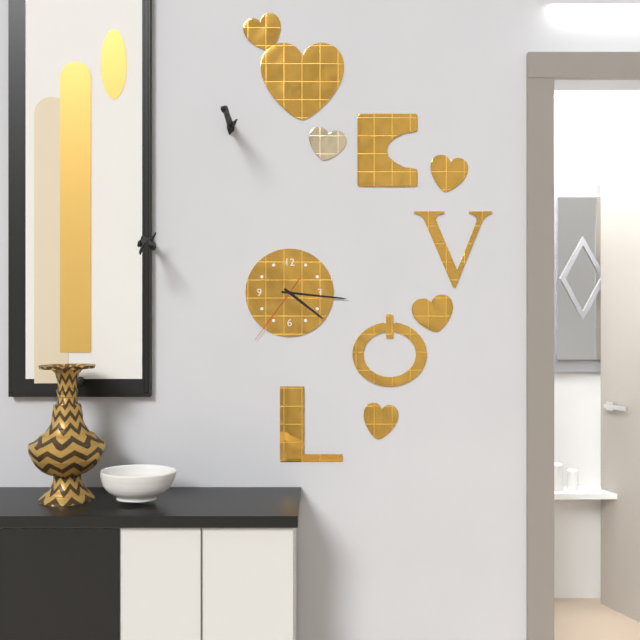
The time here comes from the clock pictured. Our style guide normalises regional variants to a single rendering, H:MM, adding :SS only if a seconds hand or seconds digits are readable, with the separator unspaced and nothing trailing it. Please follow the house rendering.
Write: 4:16:36
